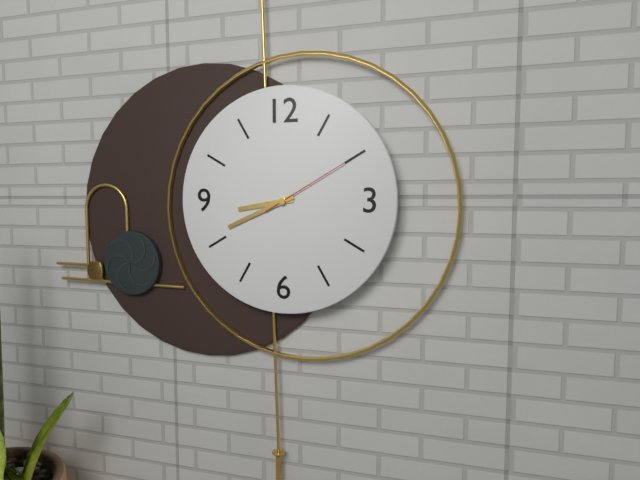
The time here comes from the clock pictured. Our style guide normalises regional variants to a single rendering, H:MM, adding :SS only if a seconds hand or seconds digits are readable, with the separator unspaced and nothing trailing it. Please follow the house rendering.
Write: 8:41:10
